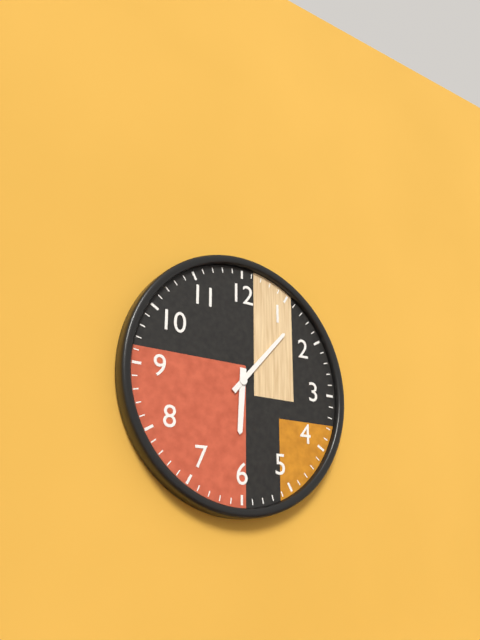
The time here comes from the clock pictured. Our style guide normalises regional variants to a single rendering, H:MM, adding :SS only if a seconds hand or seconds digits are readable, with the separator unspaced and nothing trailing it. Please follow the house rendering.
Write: 6:07
